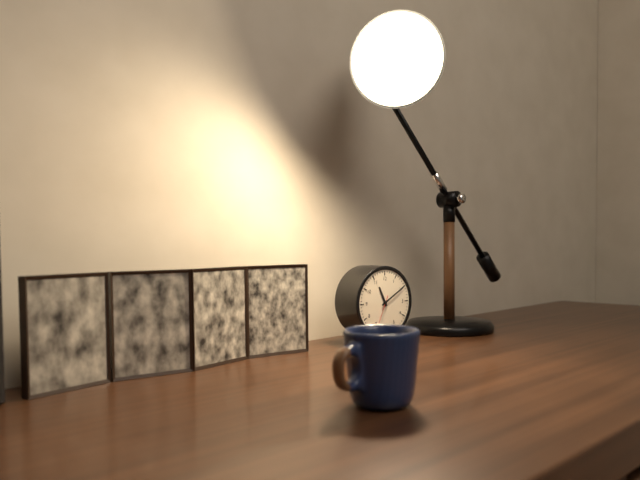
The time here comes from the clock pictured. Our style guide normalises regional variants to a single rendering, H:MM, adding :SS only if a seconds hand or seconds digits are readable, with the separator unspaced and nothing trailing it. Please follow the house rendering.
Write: 11:10
